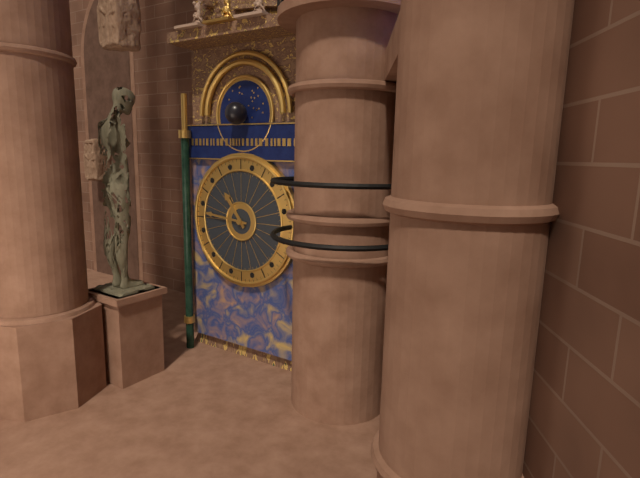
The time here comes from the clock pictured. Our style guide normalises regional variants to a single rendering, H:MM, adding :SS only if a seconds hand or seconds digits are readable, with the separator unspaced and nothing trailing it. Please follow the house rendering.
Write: 10:46
